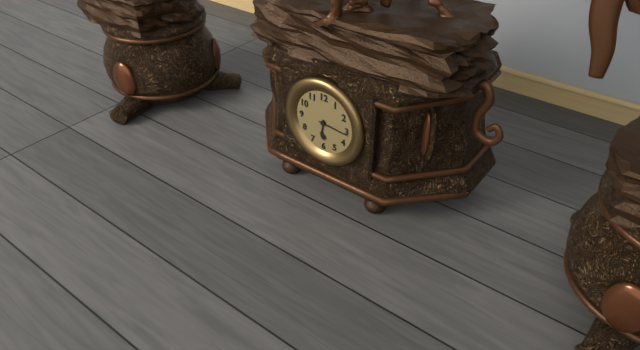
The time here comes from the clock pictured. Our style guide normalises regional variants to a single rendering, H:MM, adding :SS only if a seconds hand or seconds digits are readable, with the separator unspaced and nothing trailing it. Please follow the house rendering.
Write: 6:16
